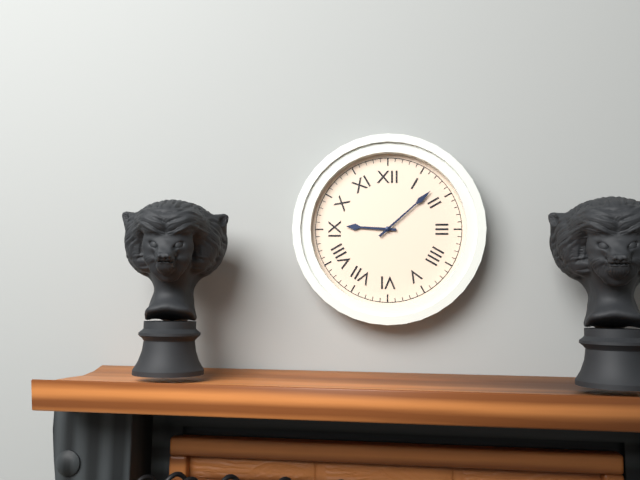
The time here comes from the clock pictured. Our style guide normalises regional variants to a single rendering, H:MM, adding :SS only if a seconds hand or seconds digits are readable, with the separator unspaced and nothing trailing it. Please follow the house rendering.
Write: 9:08
